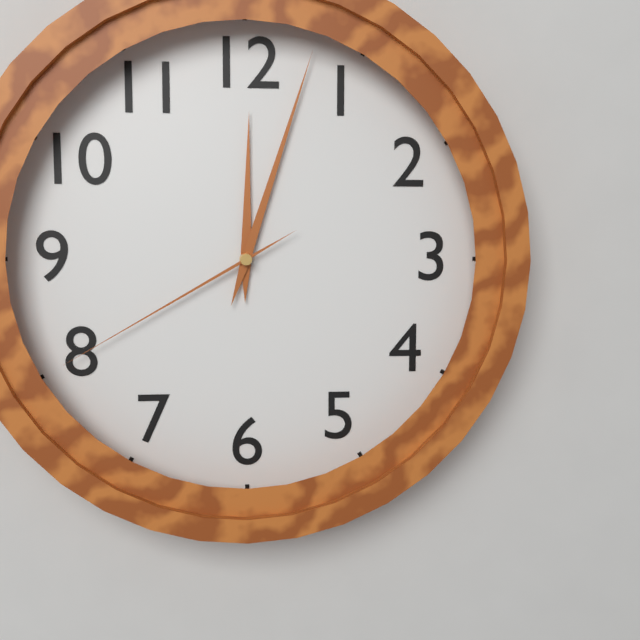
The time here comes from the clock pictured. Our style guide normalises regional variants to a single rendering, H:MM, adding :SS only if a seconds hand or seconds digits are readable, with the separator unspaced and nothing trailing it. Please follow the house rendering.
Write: 12:03:40
